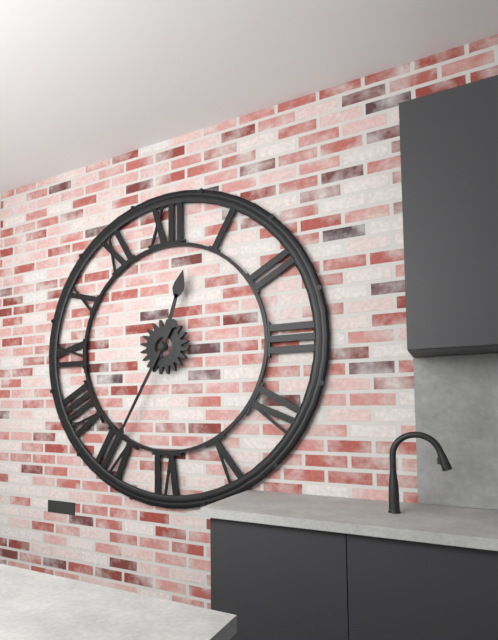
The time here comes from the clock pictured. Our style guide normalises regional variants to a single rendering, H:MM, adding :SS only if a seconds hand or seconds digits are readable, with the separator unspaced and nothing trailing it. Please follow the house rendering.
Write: 12:35
